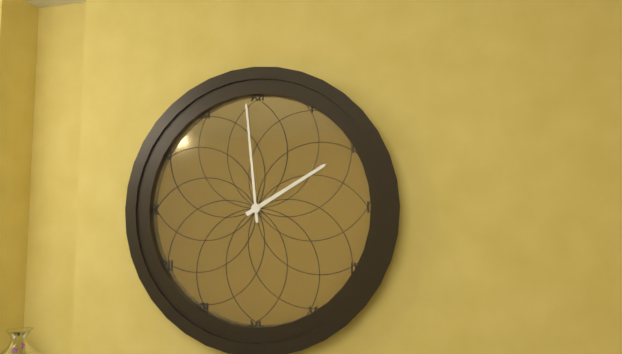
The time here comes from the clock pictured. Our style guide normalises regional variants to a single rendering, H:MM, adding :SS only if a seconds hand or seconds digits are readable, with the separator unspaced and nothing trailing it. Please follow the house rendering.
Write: 1:59
